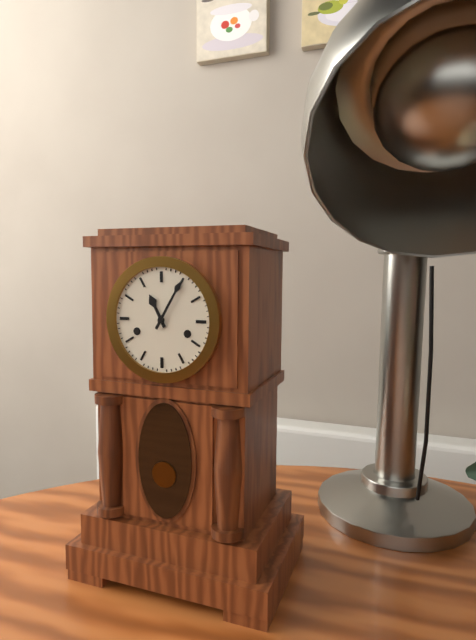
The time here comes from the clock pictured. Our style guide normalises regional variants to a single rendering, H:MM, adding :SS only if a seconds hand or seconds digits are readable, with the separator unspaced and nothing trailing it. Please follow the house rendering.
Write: 11:05
